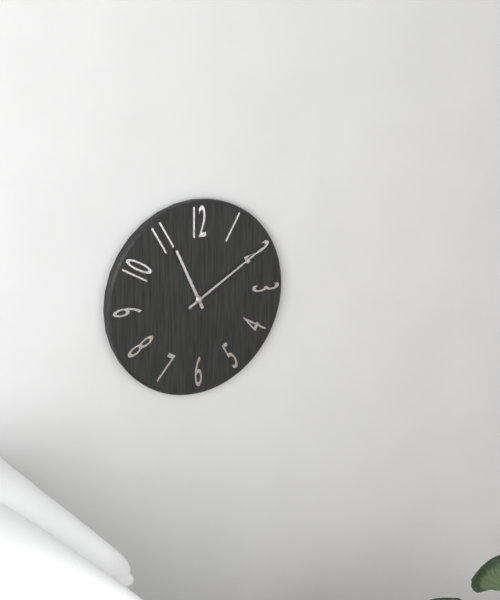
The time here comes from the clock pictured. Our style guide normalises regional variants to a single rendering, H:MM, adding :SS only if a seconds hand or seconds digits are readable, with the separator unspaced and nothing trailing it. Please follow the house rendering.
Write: 11:10
